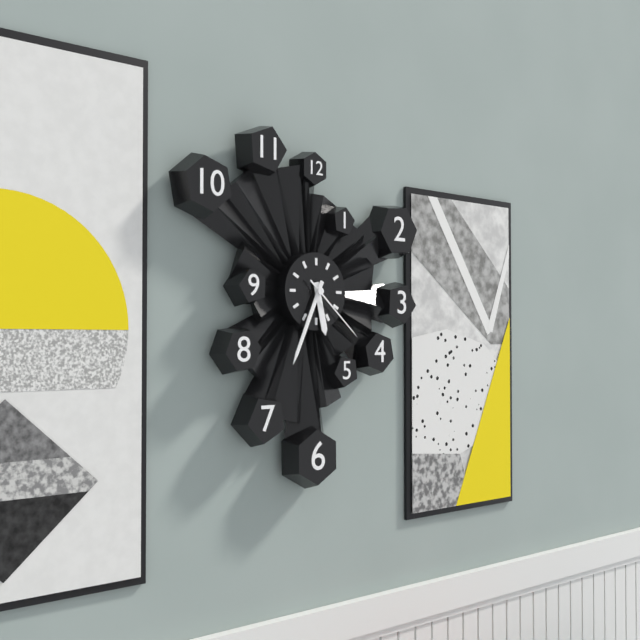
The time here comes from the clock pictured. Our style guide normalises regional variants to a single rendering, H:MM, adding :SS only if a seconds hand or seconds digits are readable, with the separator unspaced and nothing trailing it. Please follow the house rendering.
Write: 5:34:22
